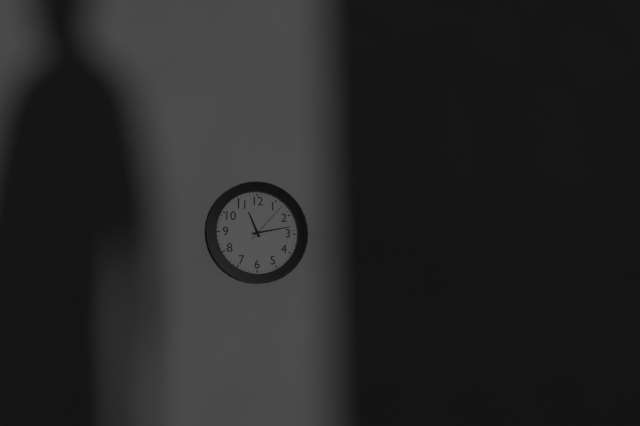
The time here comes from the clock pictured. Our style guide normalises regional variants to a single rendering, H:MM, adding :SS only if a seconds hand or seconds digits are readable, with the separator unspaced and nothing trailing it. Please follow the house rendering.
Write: 11:13
